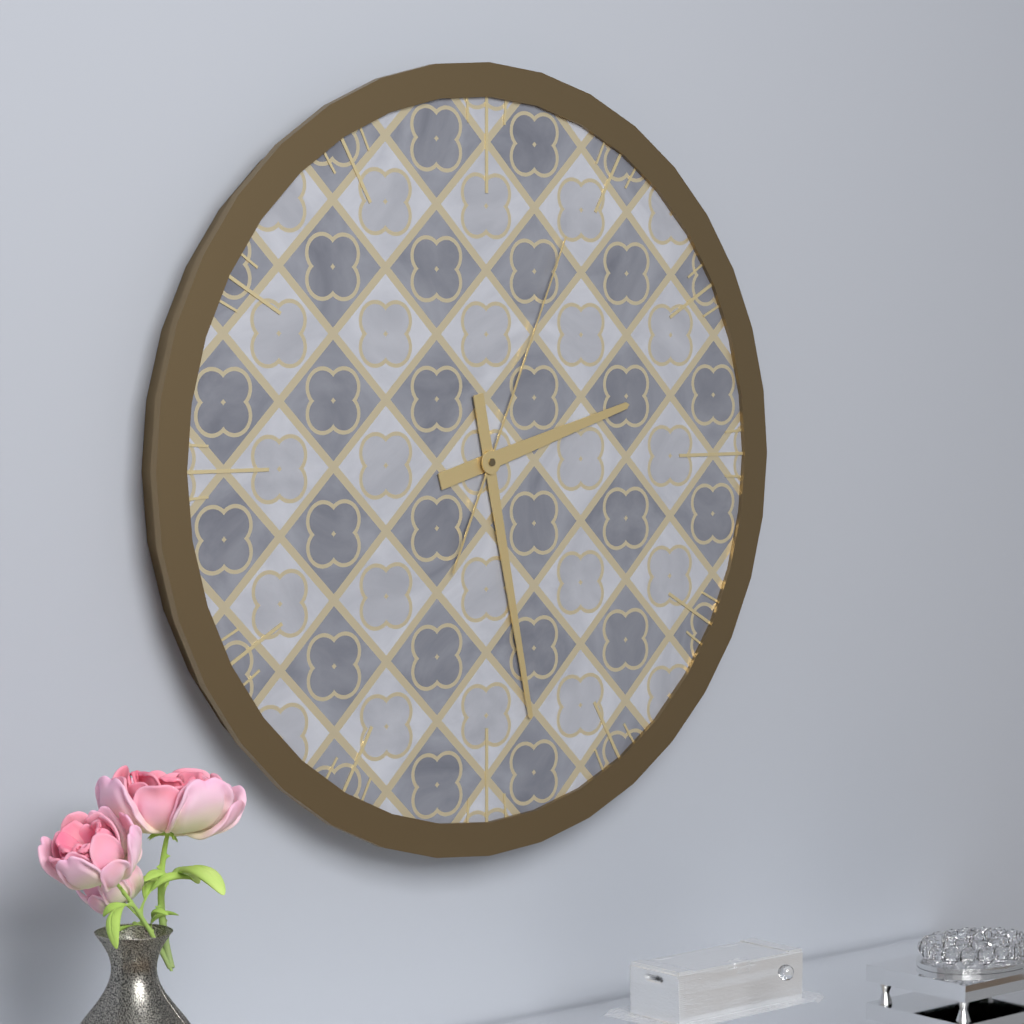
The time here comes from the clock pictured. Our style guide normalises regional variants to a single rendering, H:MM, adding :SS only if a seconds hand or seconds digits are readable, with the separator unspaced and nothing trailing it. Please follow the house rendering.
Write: 2:28:04
